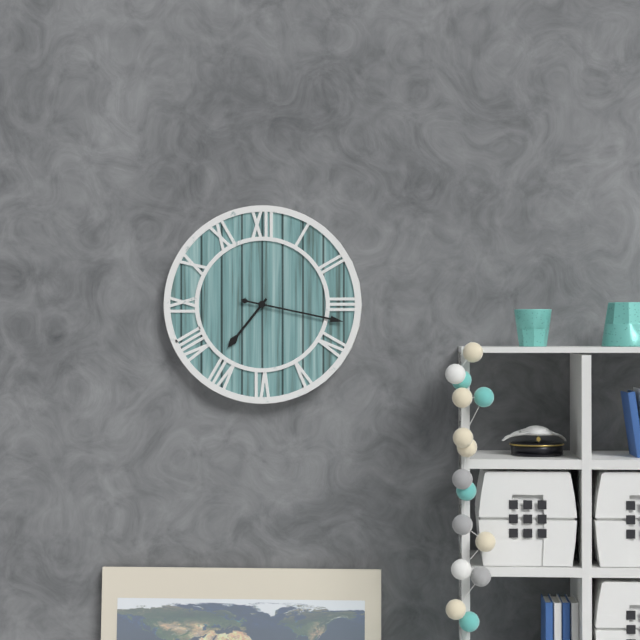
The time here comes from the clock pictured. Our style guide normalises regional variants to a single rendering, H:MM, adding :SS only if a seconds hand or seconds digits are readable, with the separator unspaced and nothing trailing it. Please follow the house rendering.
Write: 7:17
